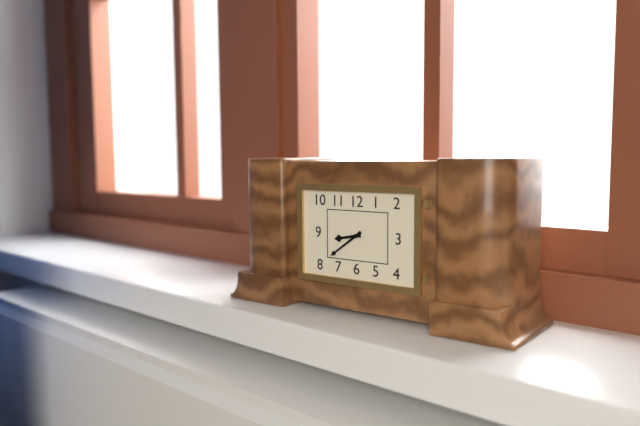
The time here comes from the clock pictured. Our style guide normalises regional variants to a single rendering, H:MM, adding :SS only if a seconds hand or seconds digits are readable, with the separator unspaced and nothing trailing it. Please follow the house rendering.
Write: 8:39
